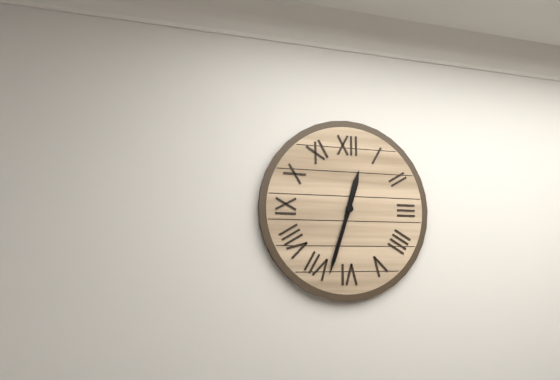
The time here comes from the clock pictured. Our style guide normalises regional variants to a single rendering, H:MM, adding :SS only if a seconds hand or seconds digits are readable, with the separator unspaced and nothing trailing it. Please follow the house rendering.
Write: 12:33
